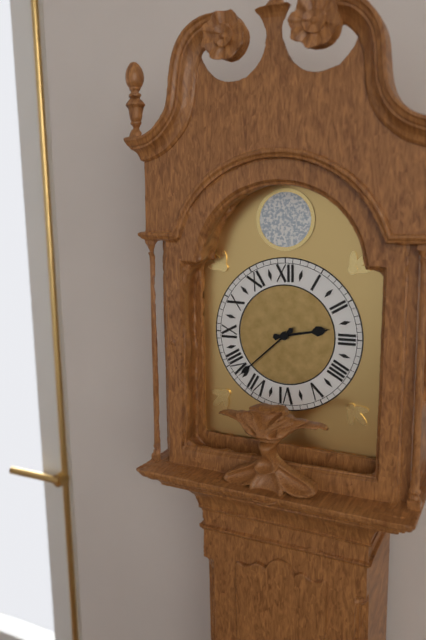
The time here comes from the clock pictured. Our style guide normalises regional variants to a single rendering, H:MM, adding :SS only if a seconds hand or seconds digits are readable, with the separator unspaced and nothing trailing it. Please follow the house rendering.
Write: 2:38
